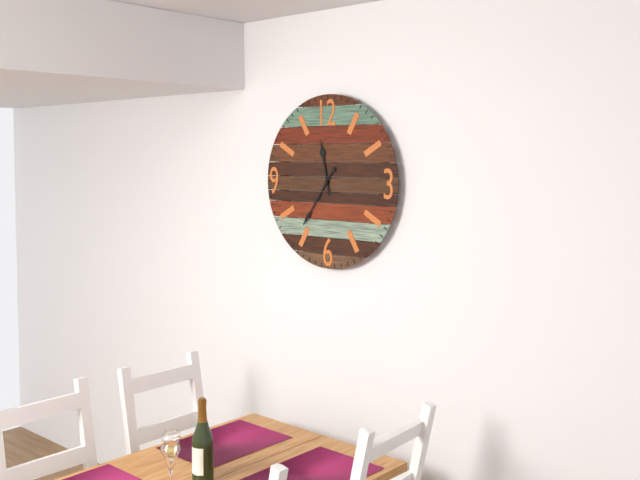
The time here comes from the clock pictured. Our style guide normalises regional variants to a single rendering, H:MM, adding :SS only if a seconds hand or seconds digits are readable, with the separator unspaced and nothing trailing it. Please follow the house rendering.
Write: 11:36
